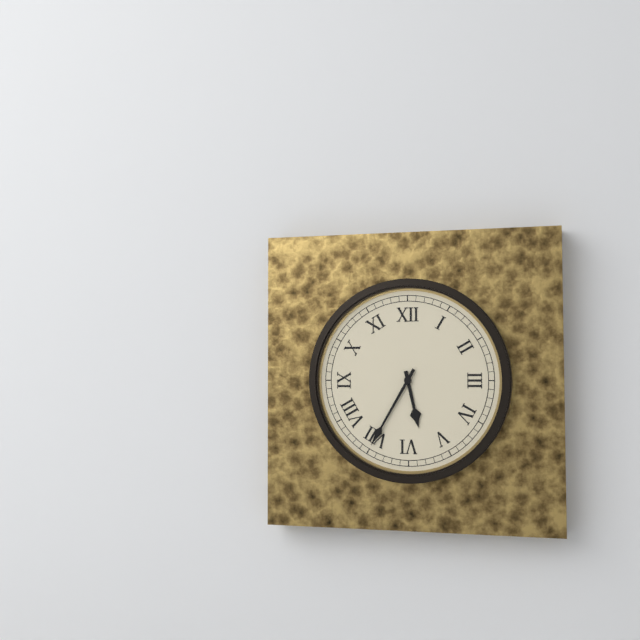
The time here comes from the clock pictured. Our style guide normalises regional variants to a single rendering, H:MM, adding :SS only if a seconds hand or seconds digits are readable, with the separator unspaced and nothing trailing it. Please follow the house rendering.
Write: 5:35
